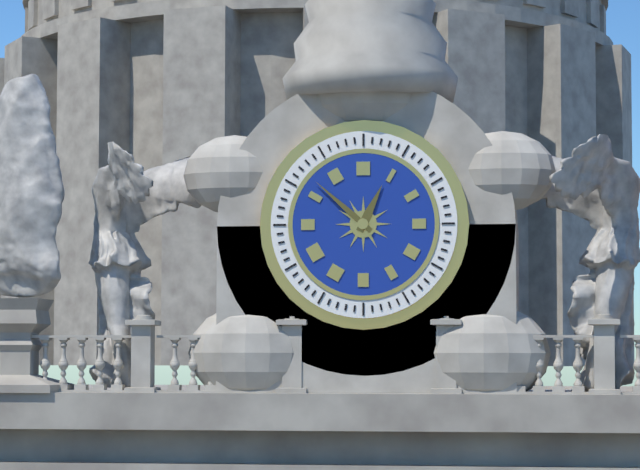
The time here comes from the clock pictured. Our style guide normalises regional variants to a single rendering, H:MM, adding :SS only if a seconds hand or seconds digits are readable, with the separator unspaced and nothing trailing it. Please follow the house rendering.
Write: 12:52
